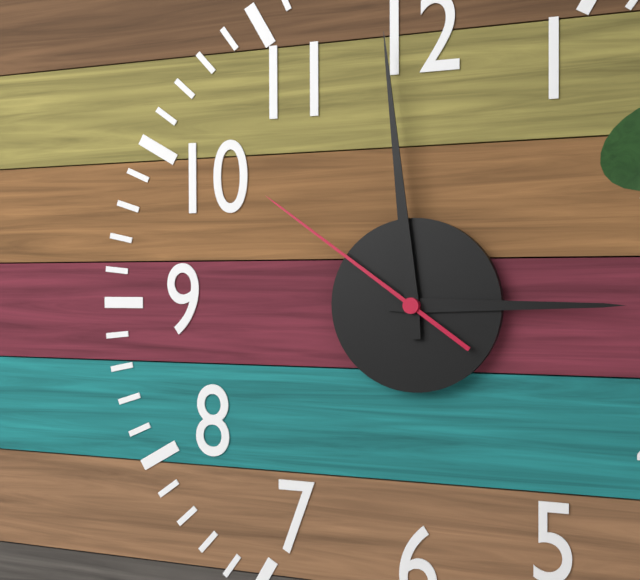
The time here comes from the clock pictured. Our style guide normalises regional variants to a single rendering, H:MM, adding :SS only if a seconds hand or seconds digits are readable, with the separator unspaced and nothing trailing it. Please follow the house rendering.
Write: 2:59:51
